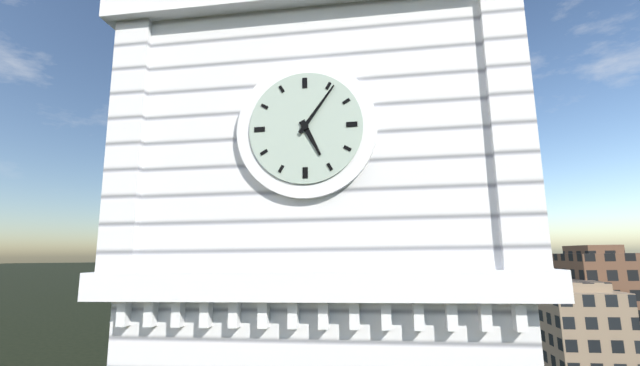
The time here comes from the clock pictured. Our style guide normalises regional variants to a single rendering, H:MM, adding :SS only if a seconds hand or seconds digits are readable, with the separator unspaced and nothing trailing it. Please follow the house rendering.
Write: 5:06
